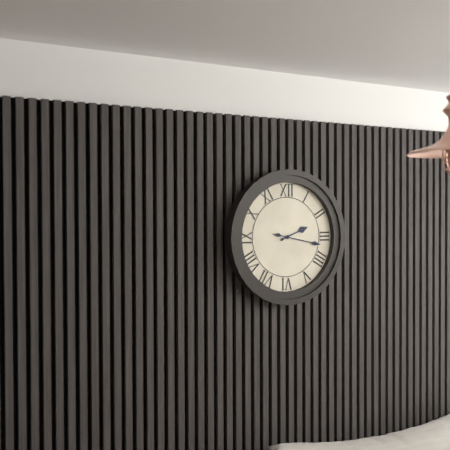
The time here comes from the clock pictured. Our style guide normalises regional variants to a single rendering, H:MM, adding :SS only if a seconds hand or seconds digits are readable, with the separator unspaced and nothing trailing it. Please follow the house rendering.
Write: 2:17
